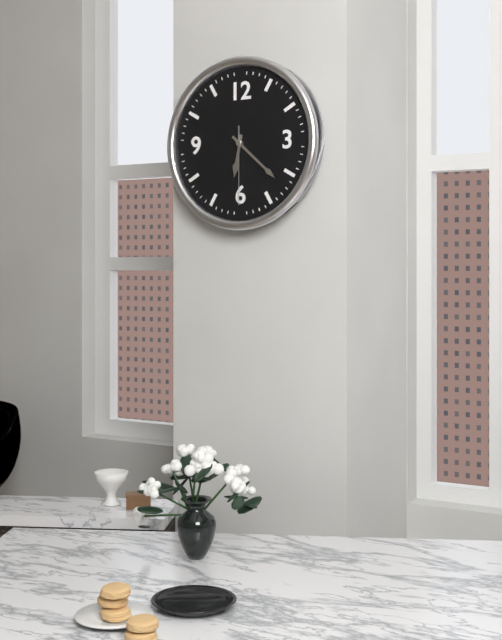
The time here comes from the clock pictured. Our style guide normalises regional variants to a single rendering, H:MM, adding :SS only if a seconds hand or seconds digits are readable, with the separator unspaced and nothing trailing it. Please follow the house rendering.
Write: 6:22:30
